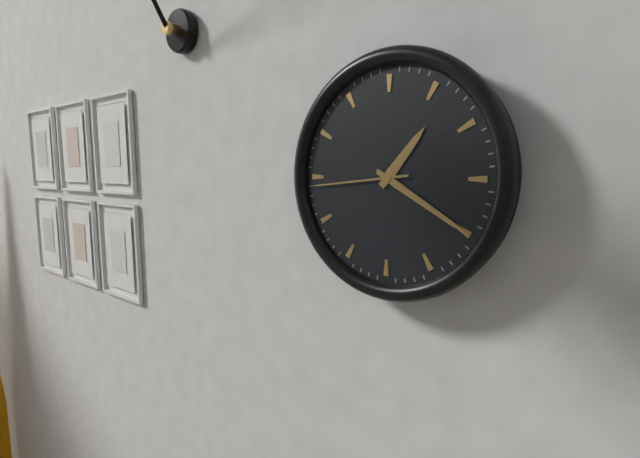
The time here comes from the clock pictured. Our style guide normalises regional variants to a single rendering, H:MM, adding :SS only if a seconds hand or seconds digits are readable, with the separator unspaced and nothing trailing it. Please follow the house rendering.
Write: 1:20:44
